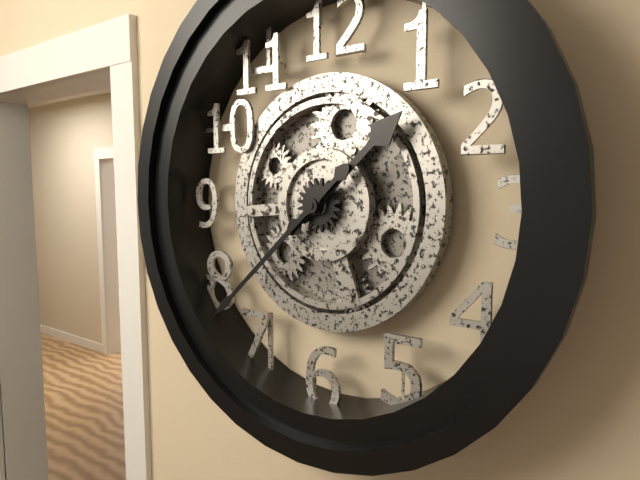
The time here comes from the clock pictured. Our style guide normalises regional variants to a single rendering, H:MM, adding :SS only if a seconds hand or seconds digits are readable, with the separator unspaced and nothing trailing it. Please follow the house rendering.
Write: 1:38
